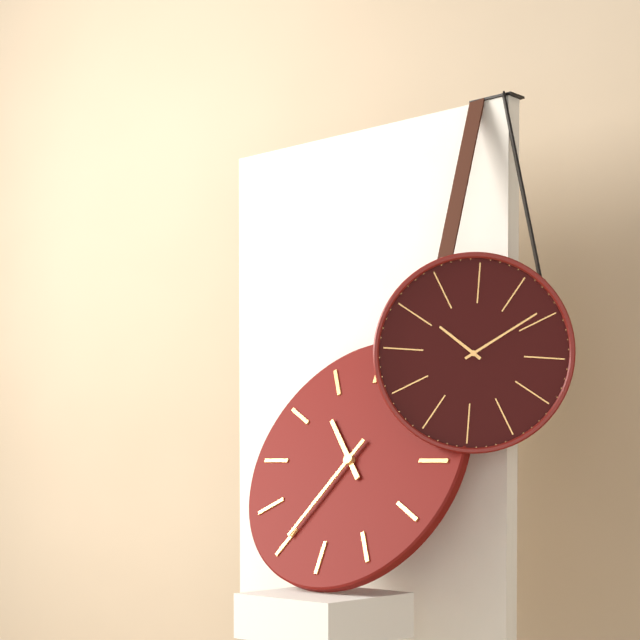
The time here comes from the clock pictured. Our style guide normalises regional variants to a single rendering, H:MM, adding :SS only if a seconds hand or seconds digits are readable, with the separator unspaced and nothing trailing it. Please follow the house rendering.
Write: 10:35
